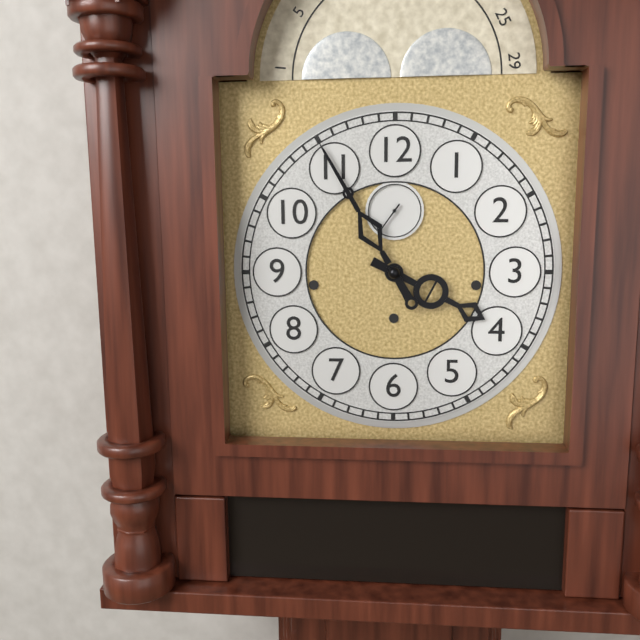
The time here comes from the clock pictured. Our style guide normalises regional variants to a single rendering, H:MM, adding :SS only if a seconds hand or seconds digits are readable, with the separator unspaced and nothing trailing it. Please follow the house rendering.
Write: 3:55
